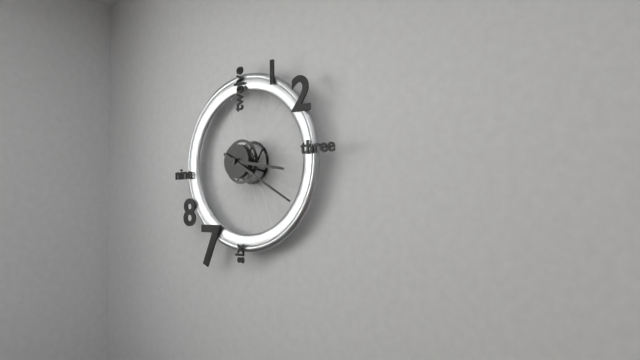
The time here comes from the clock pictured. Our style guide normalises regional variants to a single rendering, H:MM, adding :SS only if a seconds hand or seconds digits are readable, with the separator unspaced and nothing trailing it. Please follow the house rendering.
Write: 3:20
